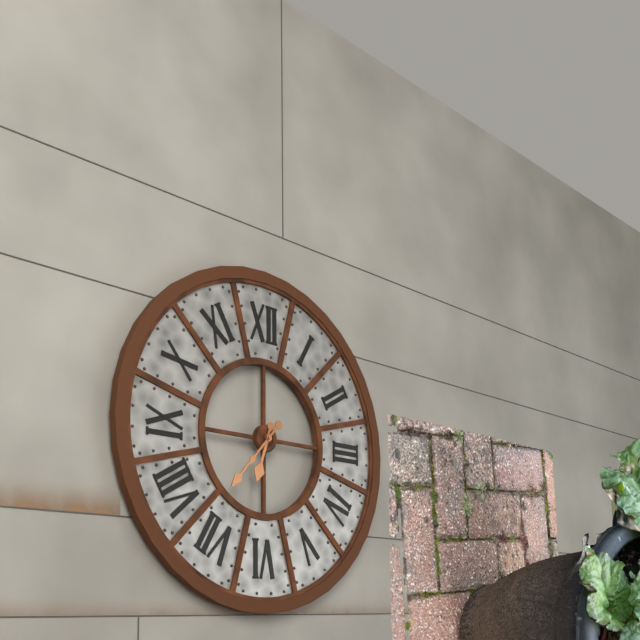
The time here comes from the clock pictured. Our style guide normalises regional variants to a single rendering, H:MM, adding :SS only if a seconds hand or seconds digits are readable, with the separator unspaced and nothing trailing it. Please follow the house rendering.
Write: 6:37
